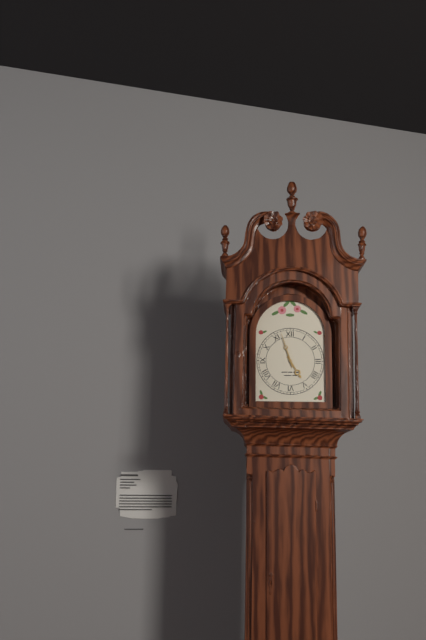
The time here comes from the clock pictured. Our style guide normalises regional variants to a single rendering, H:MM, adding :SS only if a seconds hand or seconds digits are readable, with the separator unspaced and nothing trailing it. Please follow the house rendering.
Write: 4:57
